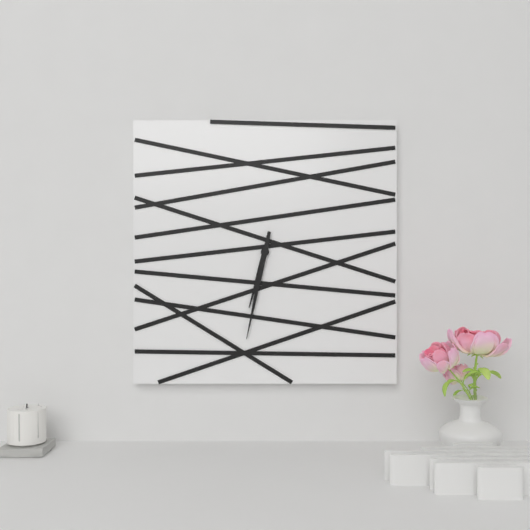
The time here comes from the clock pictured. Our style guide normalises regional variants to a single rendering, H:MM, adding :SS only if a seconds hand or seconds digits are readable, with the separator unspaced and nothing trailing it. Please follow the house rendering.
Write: 6:32
